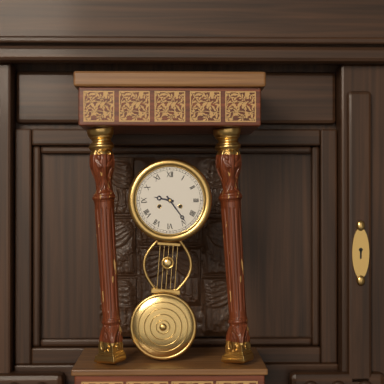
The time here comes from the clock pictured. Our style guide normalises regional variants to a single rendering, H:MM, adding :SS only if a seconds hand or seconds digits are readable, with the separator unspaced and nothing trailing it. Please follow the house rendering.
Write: 9:24
